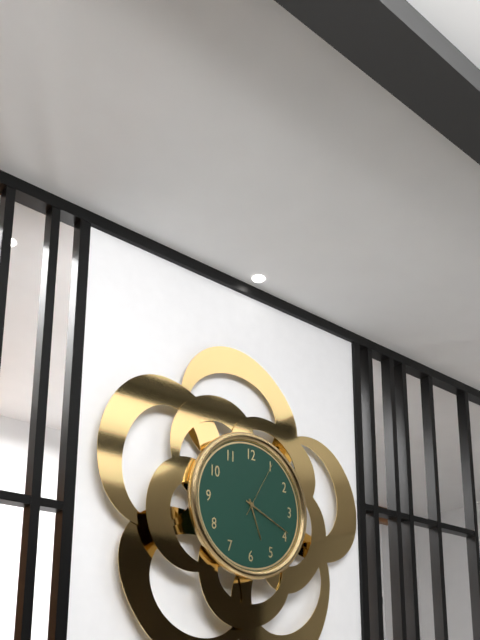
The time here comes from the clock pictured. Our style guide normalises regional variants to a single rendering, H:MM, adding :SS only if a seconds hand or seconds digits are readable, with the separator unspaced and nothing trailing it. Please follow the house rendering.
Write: 5:19:05
